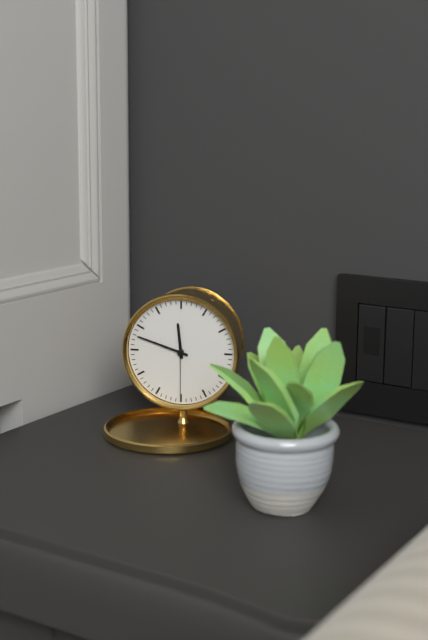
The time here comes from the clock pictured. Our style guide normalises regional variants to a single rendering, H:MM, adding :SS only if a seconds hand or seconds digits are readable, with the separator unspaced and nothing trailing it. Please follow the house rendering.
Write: 11:48:30
